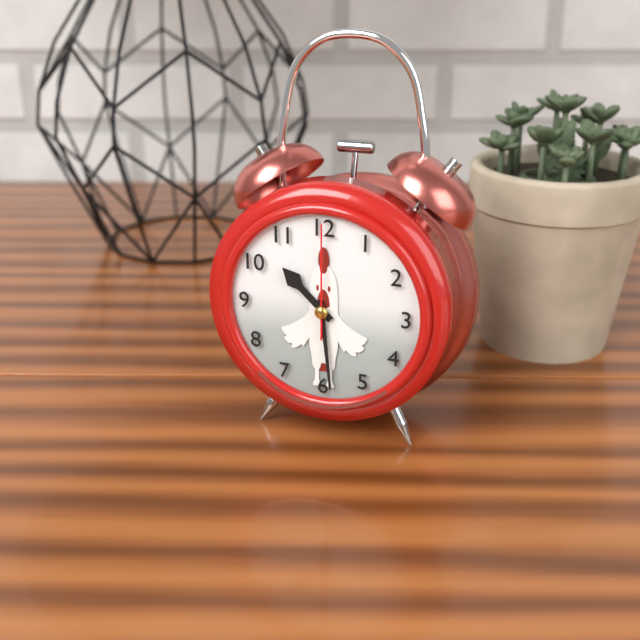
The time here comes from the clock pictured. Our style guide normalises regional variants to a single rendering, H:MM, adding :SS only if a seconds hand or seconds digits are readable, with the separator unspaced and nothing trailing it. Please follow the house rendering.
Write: 10:29:00
